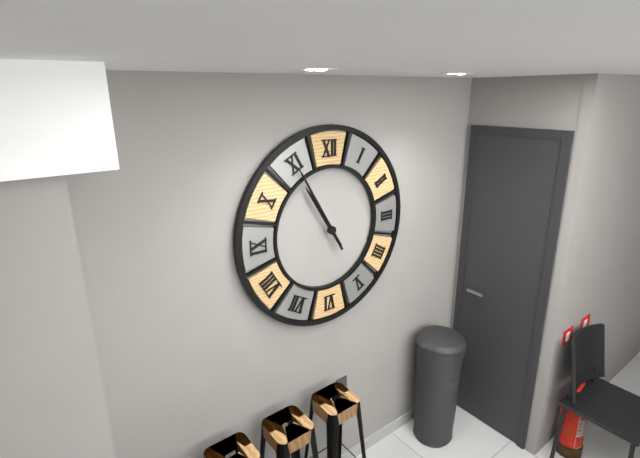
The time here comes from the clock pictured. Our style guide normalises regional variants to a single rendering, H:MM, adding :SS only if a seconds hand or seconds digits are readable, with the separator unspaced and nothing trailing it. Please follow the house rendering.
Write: 10:55
